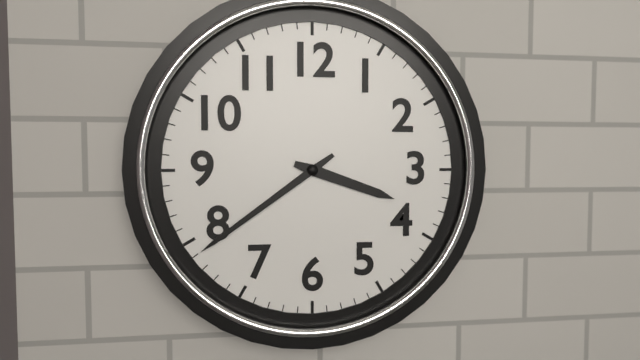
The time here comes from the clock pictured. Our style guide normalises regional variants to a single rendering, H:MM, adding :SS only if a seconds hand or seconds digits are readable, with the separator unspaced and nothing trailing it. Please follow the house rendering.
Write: 3:39
